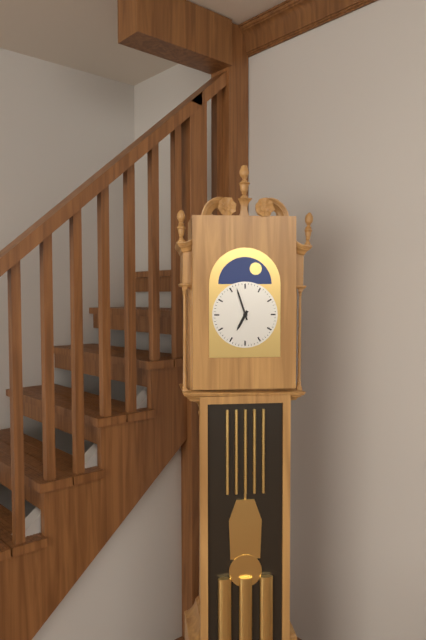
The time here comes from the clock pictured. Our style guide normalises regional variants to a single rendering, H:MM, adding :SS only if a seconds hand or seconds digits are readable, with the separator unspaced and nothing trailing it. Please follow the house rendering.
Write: 6:57
